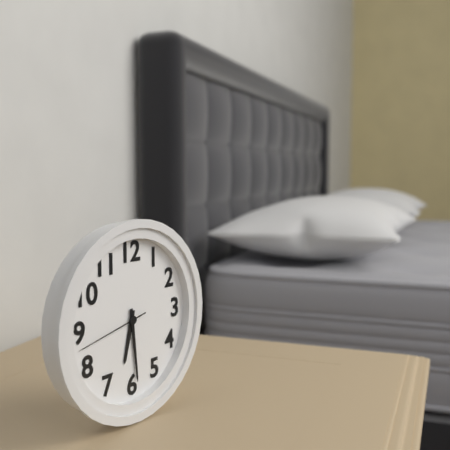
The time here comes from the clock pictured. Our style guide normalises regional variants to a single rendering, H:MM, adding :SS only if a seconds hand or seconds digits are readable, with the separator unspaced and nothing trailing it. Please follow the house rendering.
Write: 6:29:43
